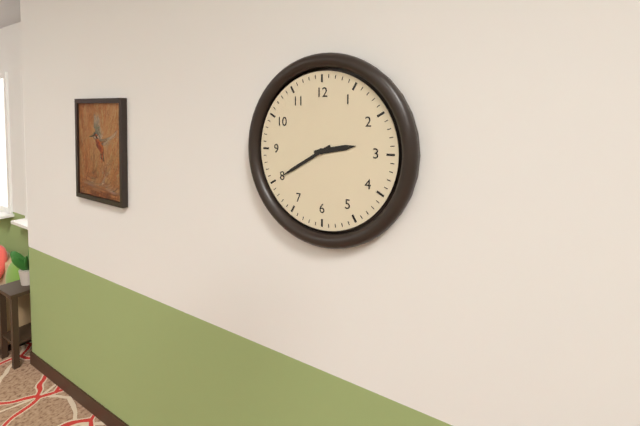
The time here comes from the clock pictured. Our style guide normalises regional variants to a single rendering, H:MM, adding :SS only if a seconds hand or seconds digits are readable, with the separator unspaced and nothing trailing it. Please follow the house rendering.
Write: 2:40
